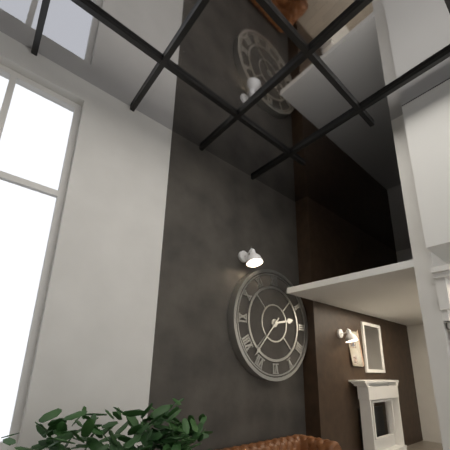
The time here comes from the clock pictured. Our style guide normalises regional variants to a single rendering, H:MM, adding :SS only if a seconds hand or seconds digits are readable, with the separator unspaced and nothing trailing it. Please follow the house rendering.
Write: 2:37
